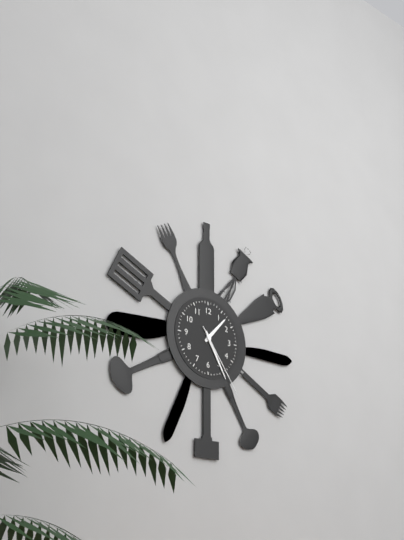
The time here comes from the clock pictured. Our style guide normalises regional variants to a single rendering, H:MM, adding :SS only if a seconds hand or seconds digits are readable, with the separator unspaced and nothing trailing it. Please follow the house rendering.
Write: 1:25:24
